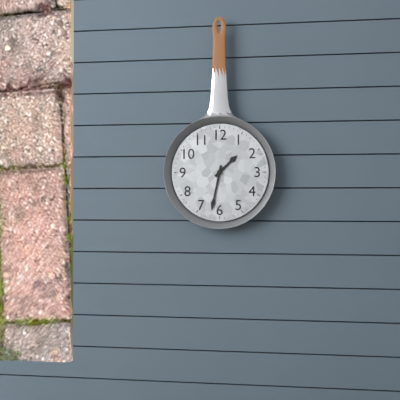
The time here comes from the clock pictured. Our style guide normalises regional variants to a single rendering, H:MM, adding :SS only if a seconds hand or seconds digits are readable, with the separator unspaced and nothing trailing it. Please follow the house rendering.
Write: 1:32
